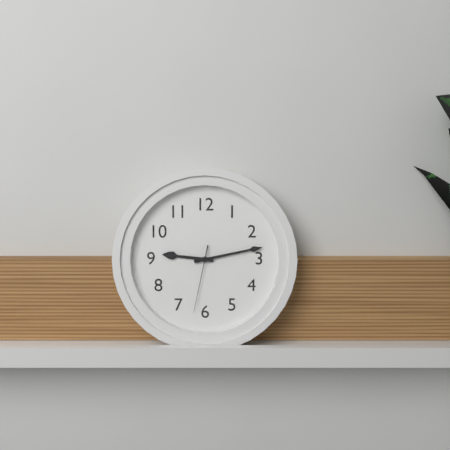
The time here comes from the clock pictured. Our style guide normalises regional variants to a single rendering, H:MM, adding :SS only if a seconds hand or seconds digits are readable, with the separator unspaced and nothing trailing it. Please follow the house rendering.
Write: 9:13:32
